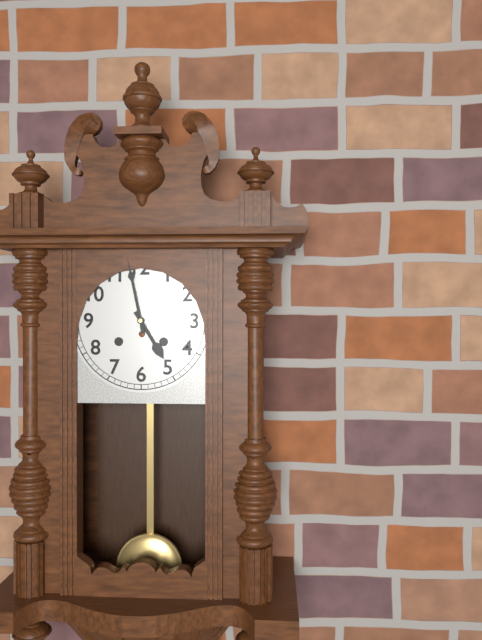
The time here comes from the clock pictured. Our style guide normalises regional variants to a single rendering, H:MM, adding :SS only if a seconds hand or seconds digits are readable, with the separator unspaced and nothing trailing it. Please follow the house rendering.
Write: 4:58
